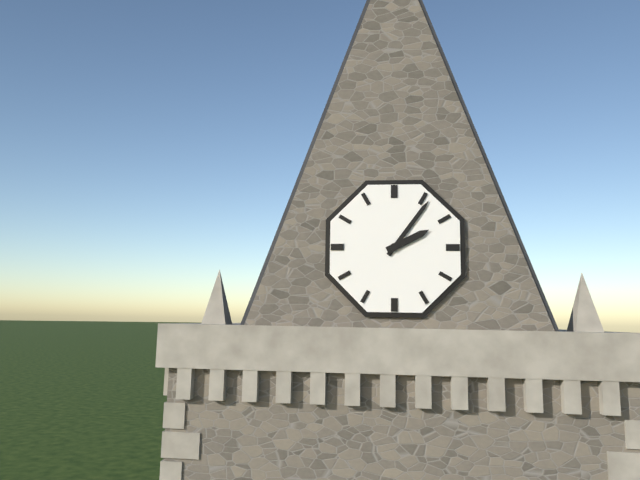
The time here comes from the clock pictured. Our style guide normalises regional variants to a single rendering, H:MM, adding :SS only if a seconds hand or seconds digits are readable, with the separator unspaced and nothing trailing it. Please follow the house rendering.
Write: 2:06
